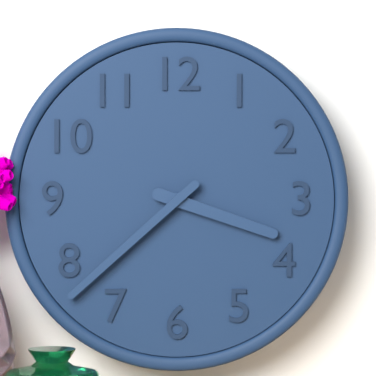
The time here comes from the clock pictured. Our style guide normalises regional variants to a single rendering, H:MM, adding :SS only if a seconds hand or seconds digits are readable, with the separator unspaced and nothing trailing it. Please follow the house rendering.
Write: 3:38
